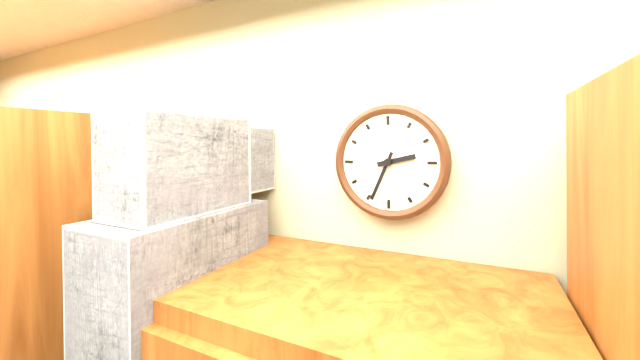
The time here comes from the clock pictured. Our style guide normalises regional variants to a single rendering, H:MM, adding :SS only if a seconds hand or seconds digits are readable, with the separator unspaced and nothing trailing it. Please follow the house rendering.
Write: 2:34
